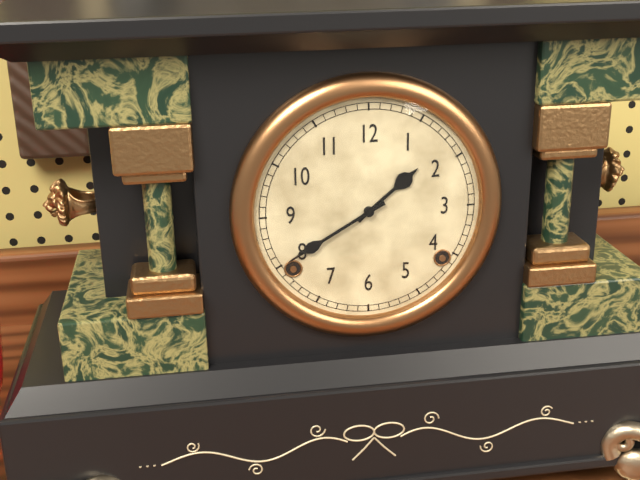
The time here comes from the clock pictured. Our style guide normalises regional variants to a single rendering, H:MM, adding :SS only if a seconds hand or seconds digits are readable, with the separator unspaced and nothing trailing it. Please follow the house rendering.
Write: 1:40
